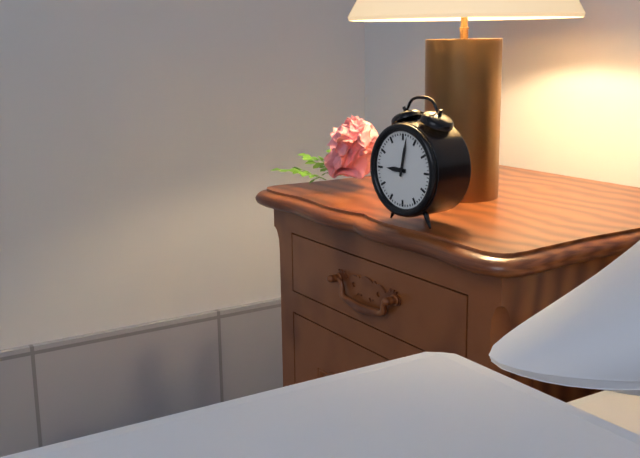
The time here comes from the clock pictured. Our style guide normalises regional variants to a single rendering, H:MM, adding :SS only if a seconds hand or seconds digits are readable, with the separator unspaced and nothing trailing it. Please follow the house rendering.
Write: 9:02
